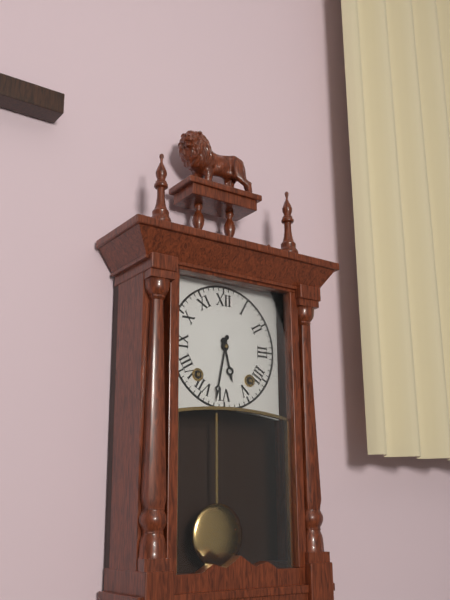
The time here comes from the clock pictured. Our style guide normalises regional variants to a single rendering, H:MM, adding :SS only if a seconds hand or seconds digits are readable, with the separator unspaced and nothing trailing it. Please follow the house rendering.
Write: 5:32
